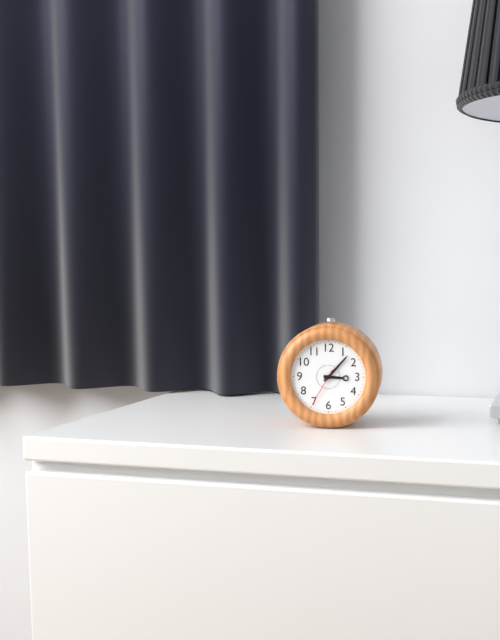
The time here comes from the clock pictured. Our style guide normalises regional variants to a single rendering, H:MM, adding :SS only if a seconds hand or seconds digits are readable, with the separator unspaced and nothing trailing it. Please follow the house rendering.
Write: 3:07
